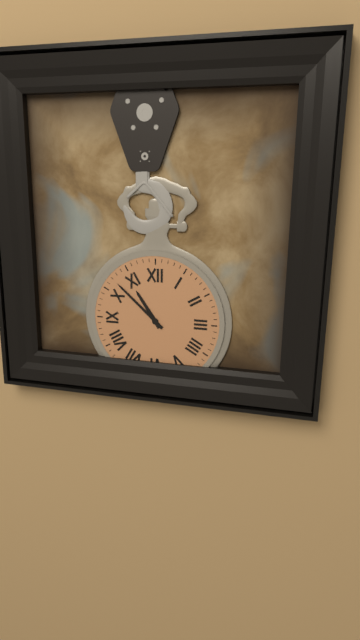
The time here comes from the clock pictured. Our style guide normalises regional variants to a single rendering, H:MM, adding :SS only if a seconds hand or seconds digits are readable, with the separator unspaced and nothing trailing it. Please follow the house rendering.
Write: 10:52
